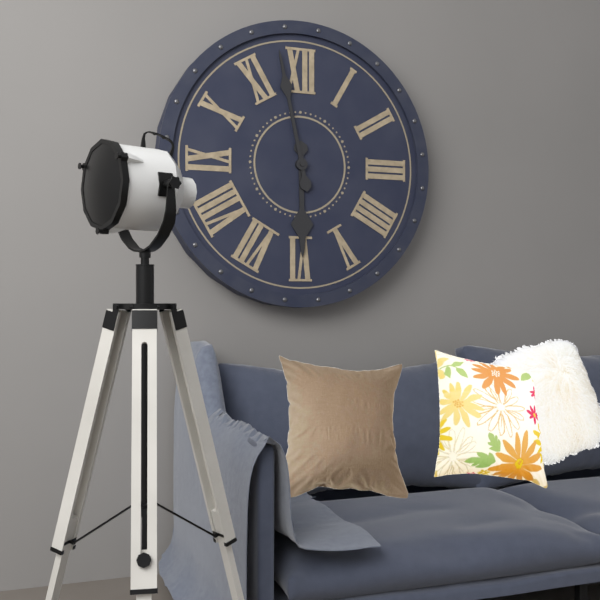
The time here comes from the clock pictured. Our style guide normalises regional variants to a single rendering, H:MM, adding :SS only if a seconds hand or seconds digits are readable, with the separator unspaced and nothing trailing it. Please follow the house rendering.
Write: 5:58
